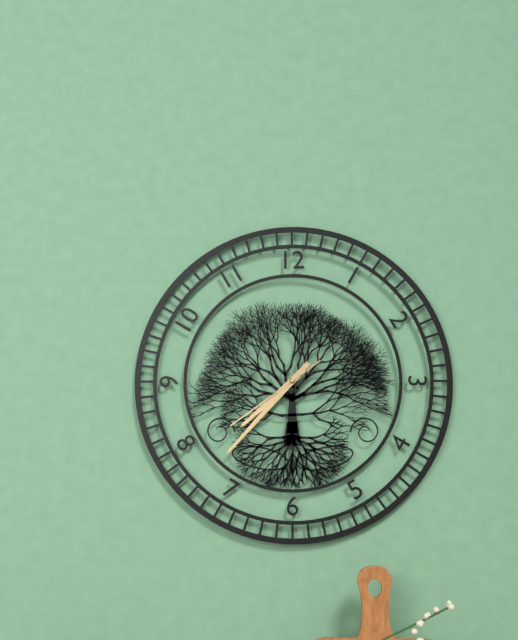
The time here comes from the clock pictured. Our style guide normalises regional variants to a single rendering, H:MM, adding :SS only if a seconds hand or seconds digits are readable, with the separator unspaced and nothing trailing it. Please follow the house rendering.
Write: 7:37:39
